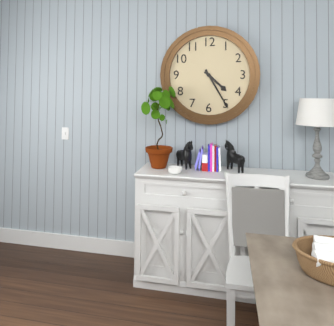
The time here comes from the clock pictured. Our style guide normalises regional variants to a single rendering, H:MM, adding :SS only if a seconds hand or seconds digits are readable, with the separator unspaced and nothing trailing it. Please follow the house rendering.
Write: 4:25
